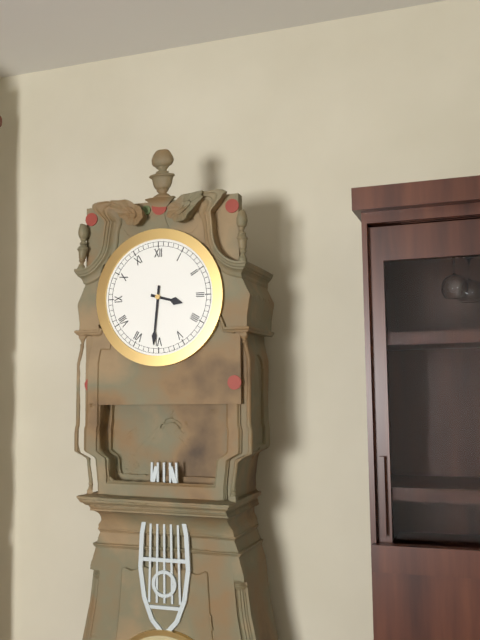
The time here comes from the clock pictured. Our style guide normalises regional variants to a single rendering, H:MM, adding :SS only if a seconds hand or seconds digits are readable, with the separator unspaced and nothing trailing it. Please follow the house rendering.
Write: 3:31
